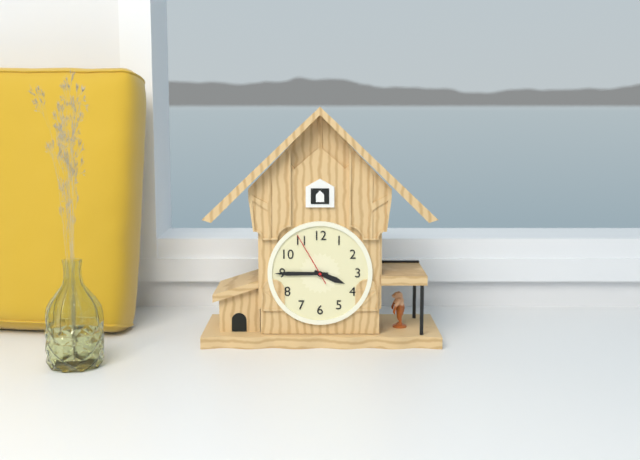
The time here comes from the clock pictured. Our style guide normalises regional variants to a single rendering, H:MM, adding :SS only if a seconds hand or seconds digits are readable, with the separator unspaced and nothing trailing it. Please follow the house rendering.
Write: 3:45:55
